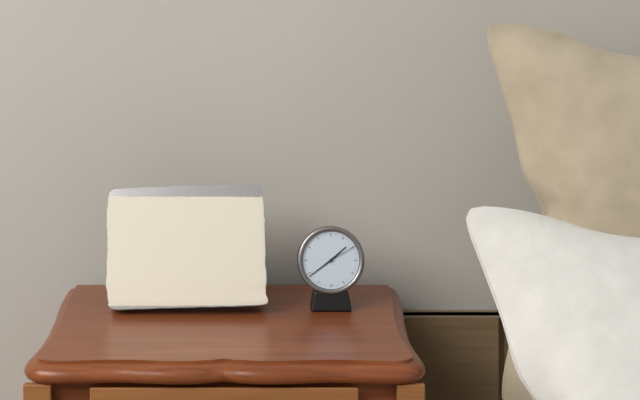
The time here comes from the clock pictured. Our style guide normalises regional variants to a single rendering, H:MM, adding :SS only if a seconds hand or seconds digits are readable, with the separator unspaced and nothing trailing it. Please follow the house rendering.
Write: 1:39
